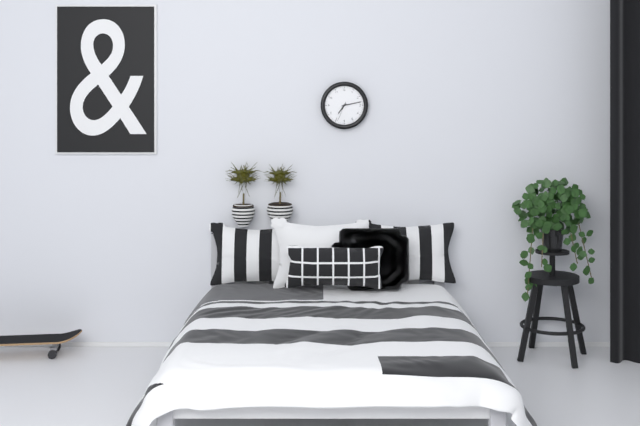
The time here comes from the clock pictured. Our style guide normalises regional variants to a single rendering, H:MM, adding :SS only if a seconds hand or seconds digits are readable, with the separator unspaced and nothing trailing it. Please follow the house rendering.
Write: 7:13
